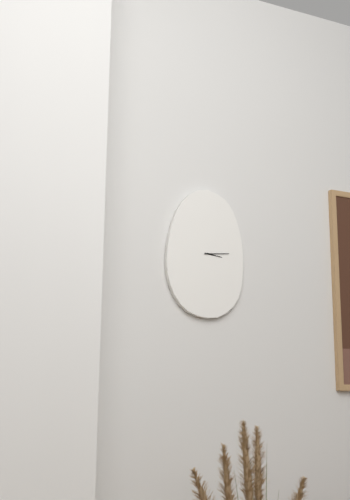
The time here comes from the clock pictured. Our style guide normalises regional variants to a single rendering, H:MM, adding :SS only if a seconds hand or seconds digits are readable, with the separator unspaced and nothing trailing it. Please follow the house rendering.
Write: 3:14
